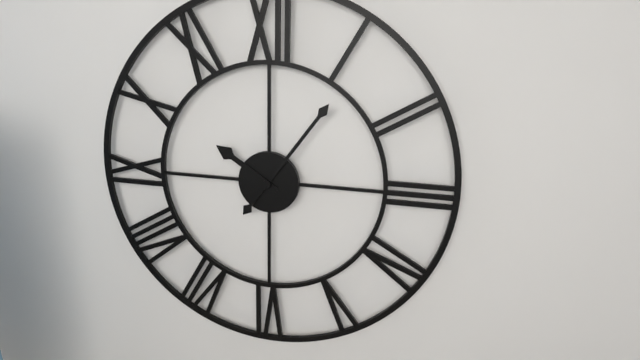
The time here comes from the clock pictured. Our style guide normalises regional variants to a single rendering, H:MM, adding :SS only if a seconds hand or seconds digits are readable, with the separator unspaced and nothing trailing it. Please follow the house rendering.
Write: 10:06
